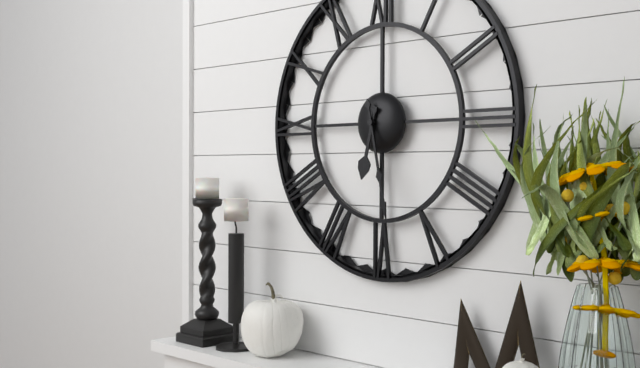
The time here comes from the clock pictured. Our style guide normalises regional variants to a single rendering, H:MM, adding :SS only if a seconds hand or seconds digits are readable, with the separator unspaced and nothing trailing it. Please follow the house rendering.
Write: 6:28
